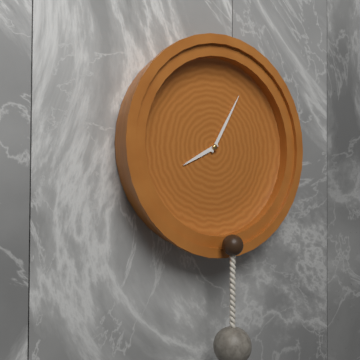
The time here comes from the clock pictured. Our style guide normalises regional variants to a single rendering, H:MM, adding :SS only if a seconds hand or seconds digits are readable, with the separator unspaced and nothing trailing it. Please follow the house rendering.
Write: 8:05
